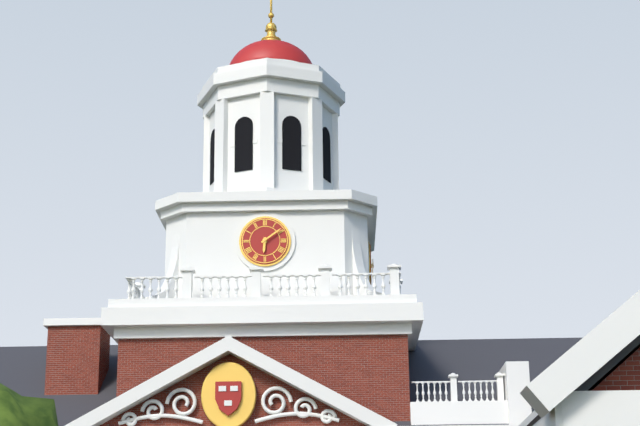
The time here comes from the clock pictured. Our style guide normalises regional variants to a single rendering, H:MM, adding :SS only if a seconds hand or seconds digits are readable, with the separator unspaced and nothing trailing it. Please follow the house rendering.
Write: 6:09
